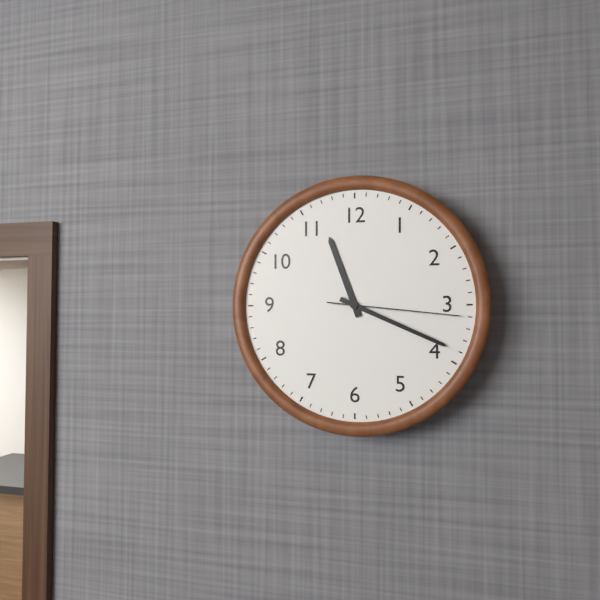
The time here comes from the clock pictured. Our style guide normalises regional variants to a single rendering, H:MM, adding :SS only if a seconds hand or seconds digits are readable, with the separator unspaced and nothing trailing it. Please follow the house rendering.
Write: 11:19:16
